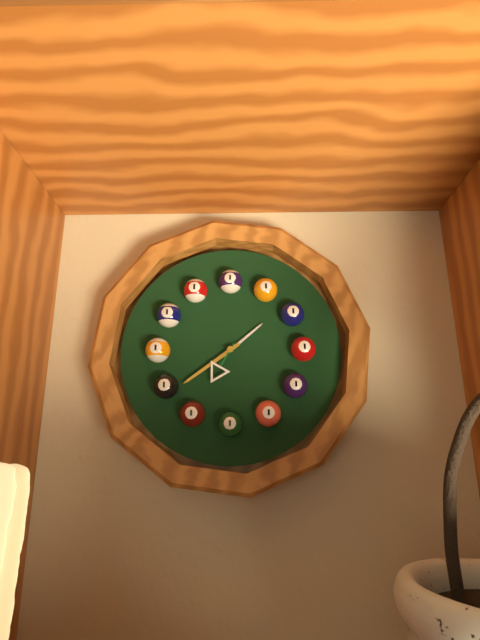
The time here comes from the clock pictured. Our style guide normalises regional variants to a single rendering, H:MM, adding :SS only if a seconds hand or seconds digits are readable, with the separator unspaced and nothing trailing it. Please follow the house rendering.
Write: 1:39:35
